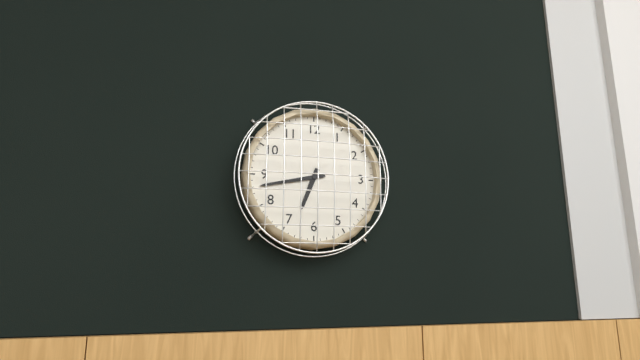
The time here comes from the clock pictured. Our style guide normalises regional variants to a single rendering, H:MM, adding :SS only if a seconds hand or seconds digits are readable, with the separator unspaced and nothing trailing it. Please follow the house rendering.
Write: 6:43
